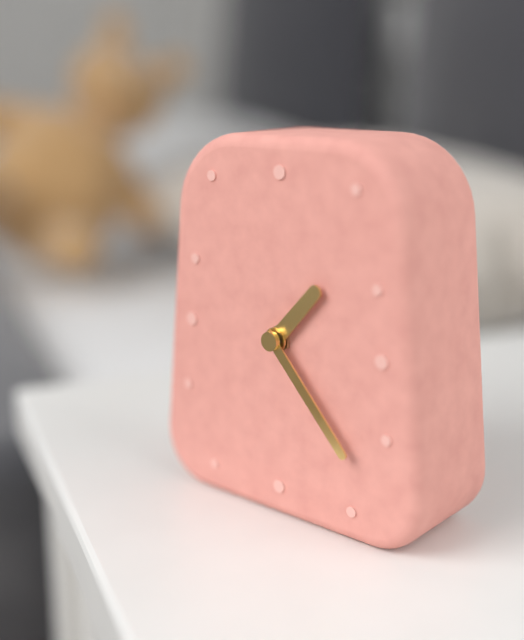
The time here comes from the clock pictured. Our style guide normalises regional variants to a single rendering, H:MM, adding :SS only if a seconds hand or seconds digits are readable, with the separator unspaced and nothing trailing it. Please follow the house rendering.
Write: 1:23
